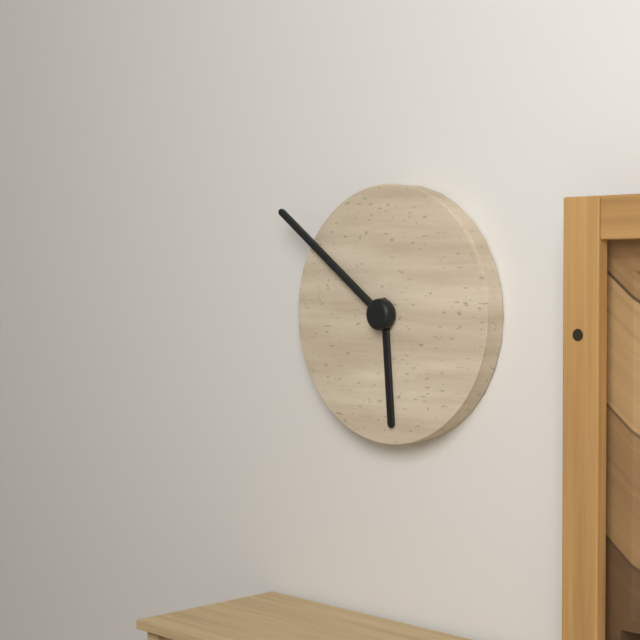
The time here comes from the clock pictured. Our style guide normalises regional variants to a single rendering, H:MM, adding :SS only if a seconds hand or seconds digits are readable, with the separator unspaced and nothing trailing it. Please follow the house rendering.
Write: 5:51
